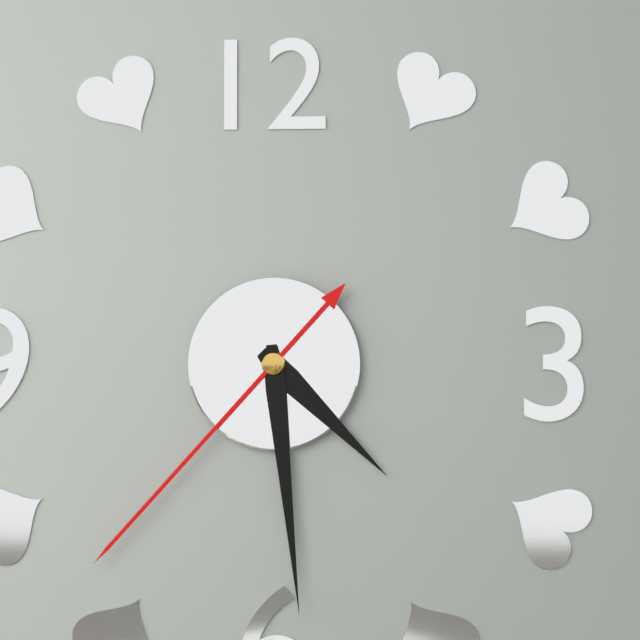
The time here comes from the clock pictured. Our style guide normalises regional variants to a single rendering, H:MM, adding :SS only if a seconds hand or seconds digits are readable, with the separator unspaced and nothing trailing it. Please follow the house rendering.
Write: 4:29:37
